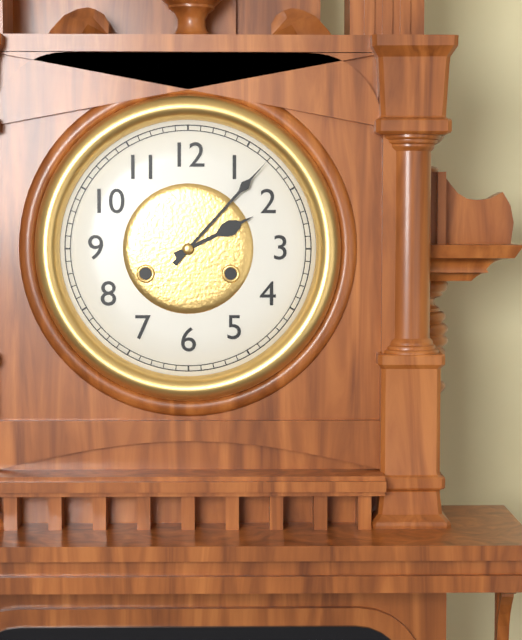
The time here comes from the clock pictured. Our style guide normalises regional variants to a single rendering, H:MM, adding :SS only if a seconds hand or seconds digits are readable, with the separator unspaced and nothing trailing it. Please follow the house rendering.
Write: 2:07
